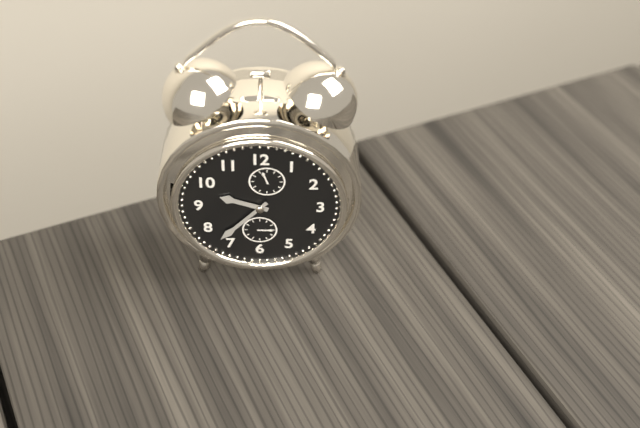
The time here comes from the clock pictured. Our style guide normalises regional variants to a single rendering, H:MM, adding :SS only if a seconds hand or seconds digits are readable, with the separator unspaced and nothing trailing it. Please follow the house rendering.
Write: 9:37
